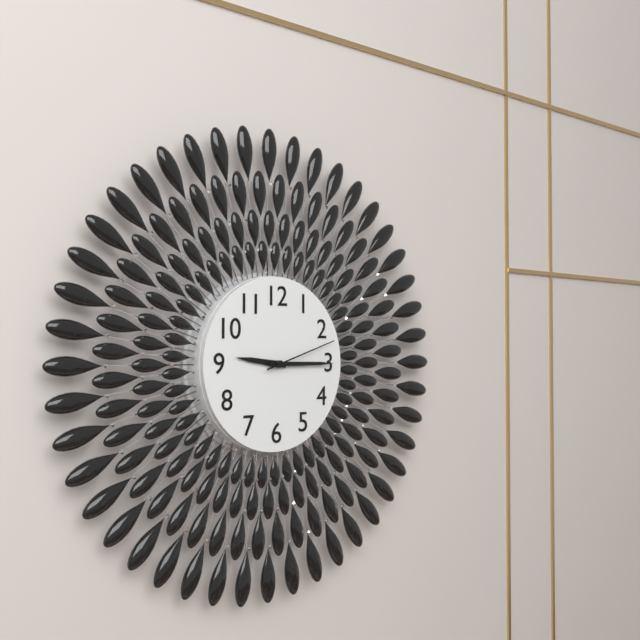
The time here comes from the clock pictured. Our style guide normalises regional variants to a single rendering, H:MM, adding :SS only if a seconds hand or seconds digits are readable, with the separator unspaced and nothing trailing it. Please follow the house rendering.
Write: 9:15:12
